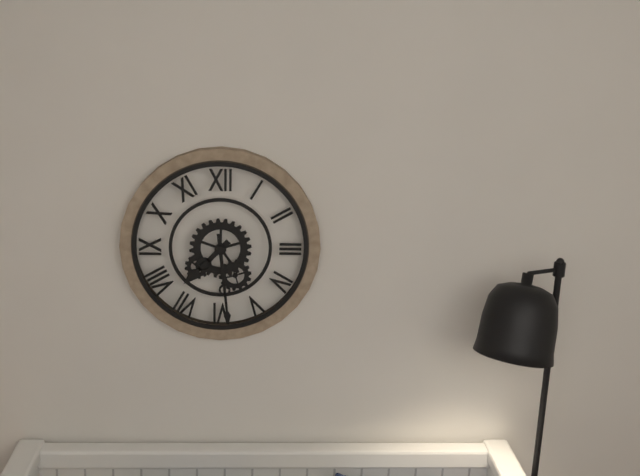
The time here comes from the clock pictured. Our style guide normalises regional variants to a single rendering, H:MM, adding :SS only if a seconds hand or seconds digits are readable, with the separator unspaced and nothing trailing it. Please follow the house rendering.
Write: 7:29
